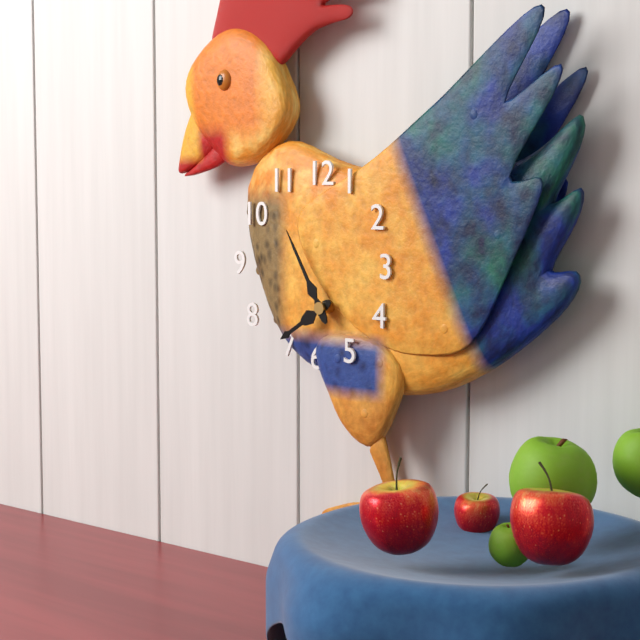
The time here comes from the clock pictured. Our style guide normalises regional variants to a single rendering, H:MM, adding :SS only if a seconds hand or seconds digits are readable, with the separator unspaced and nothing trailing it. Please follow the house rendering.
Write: 7:55
